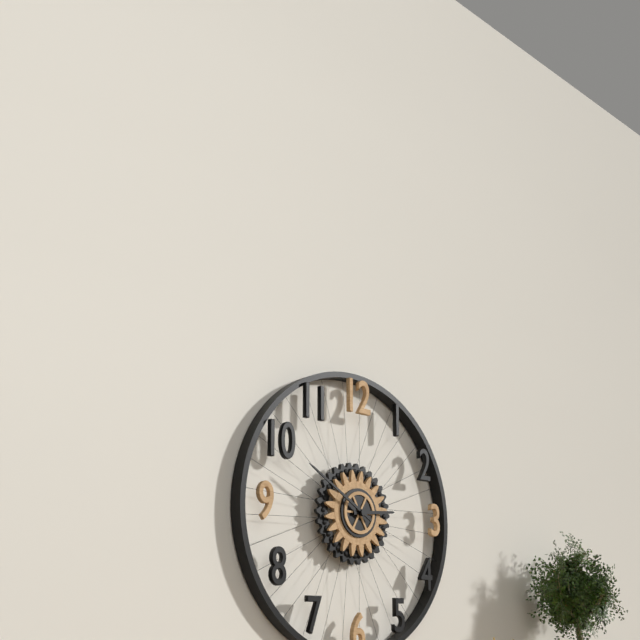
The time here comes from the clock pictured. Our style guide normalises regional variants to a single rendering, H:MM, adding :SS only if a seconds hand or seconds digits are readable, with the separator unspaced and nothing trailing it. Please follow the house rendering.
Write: 2:50
